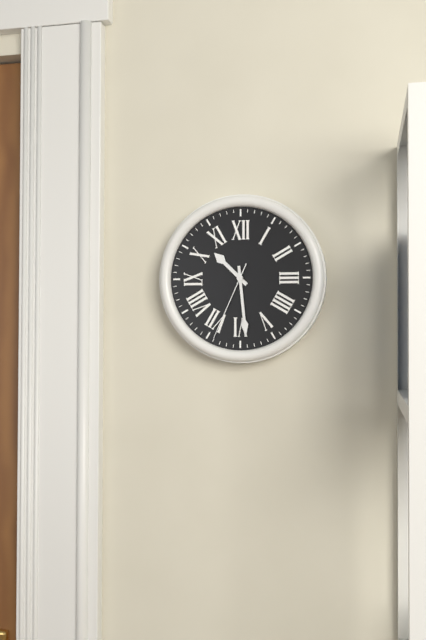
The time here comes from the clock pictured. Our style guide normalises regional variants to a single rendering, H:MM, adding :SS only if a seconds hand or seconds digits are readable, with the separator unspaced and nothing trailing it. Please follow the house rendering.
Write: 10:29:34
